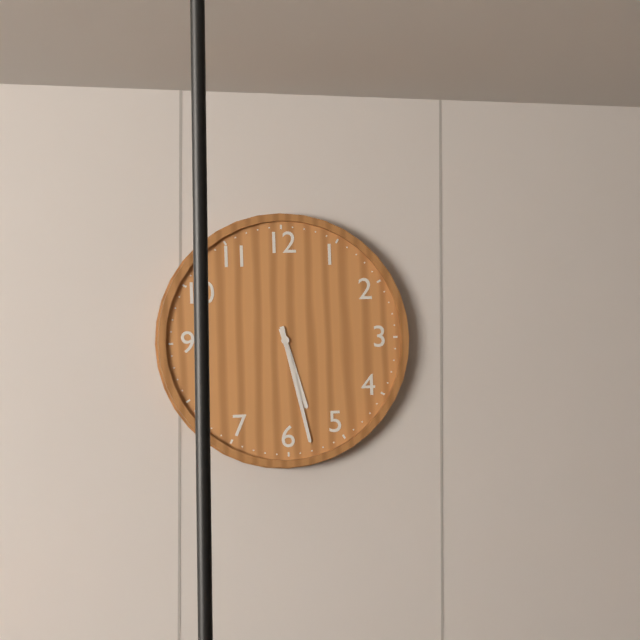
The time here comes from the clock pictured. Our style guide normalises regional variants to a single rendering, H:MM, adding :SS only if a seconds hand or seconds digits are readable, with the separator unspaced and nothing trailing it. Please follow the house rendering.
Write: 5:28
